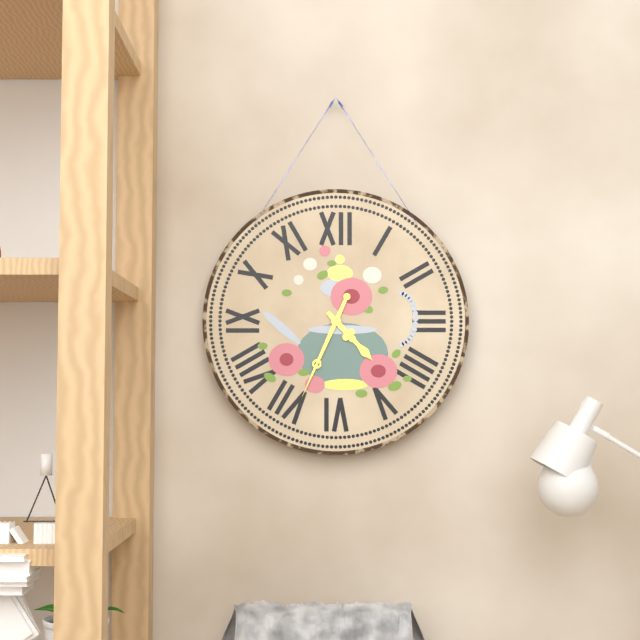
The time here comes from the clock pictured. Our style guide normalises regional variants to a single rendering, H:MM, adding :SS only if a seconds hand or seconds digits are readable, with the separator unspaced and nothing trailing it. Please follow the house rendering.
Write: 4:34
